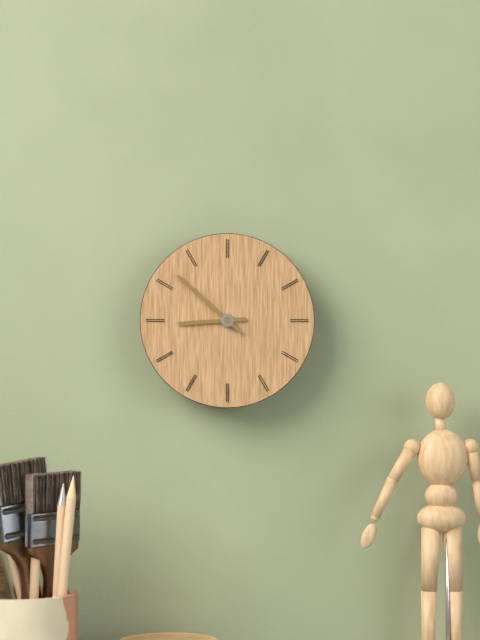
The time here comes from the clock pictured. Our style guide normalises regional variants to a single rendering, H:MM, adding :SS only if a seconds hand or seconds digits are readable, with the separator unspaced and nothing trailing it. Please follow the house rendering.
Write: 8:52
